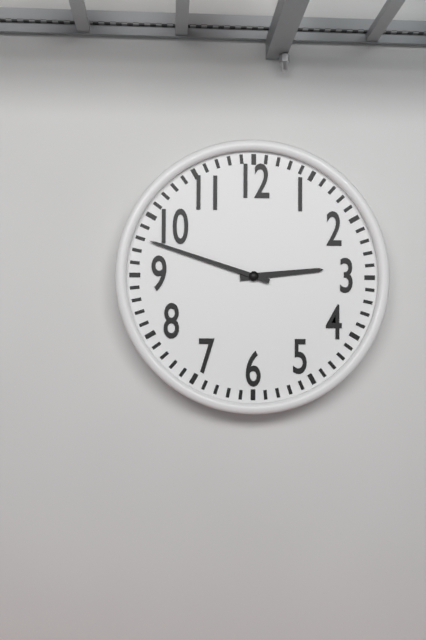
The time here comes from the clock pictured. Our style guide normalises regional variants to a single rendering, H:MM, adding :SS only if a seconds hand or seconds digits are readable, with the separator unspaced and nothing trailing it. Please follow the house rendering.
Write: 2:48
